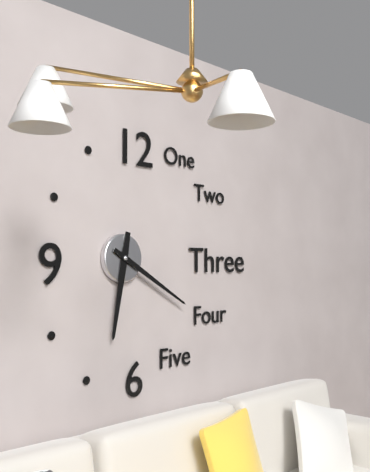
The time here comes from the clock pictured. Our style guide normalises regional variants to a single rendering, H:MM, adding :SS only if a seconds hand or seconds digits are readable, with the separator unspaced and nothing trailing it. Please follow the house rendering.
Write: 6:20
